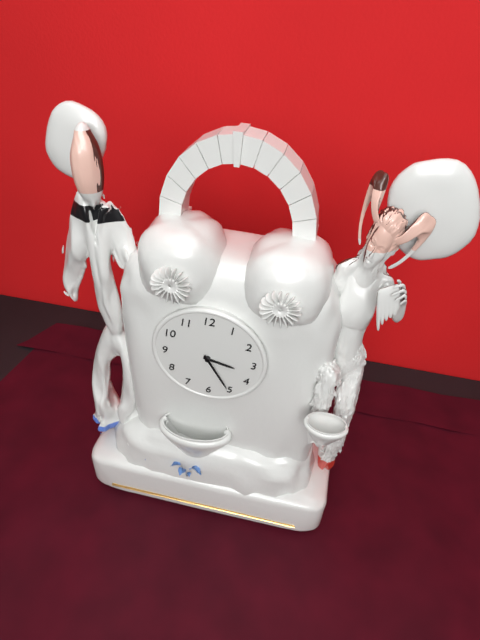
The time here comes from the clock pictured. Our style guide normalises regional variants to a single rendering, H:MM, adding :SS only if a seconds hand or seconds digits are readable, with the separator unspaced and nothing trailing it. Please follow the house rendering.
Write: 3:25
